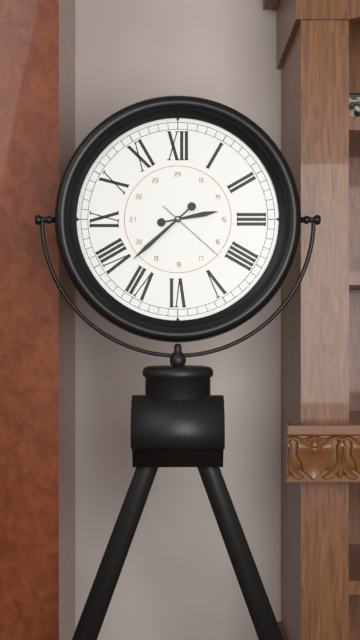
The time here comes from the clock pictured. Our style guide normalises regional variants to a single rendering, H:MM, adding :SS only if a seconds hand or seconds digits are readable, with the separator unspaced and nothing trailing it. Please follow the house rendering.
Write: 2:38:22
